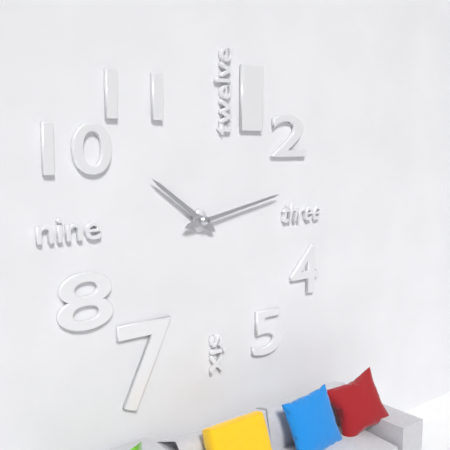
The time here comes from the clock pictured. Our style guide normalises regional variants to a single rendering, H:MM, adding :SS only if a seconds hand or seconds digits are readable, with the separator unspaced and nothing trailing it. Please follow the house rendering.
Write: 10:13
